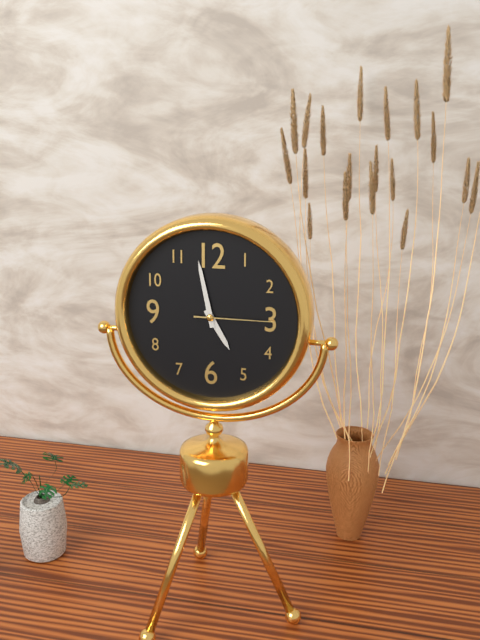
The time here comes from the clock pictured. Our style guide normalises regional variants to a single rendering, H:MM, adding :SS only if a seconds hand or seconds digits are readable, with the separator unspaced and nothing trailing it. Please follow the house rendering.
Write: 4:58:15
